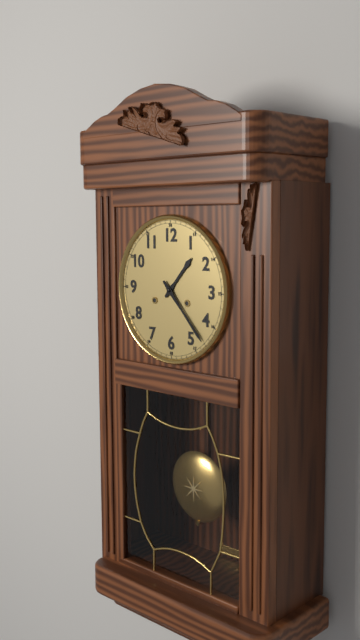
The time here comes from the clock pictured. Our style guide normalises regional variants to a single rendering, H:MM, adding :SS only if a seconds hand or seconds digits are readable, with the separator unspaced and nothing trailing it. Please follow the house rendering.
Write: 1:23
